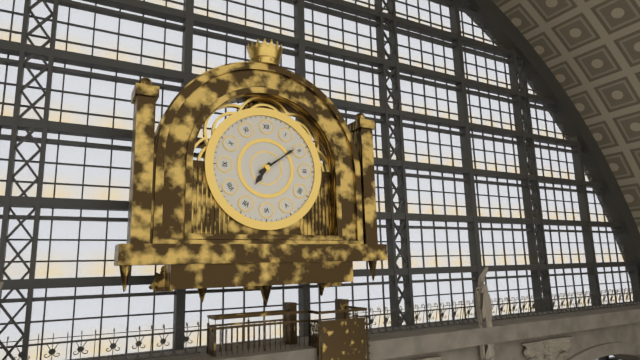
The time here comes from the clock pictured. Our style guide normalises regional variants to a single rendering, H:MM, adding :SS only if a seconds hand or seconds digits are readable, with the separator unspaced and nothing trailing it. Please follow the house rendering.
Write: 7:09
